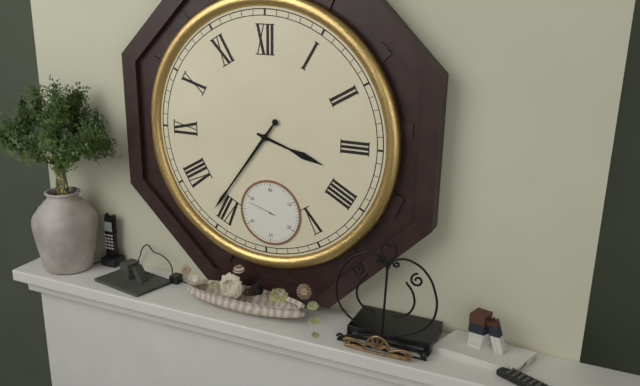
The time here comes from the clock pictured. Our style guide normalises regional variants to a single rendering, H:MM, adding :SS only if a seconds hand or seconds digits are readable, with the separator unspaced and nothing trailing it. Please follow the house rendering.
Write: 3:36
